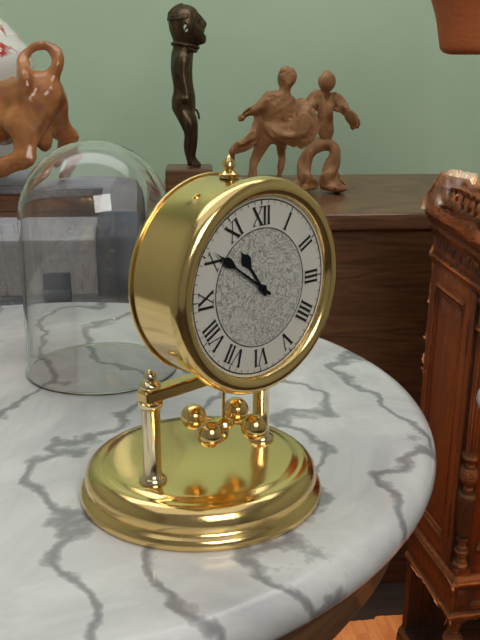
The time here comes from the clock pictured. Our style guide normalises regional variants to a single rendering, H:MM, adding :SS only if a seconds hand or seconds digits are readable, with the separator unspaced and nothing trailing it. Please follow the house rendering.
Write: 10:51
